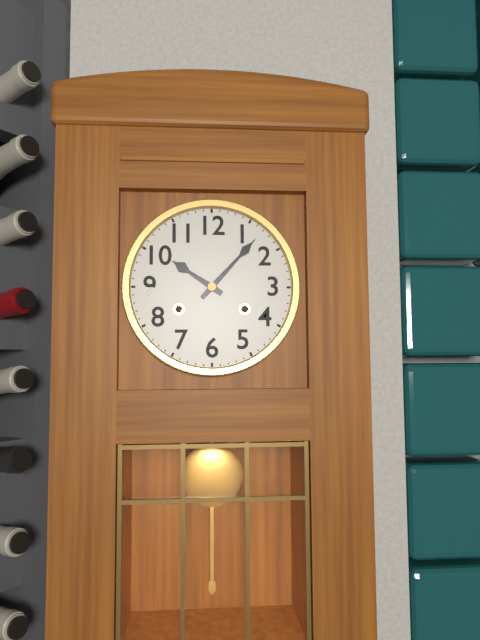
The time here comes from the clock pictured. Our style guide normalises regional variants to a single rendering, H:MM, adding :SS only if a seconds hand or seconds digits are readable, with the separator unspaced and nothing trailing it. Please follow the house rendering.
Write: 10:07
